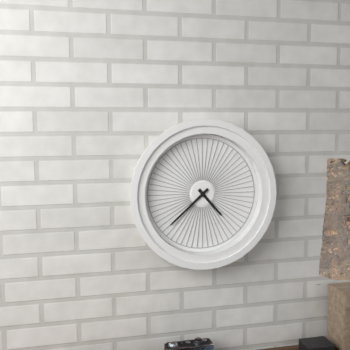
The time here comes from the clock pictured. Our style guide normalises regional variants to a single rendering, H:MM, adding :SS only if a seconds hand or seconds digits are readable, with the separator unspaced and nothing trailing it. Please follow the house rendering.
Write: 4:38
